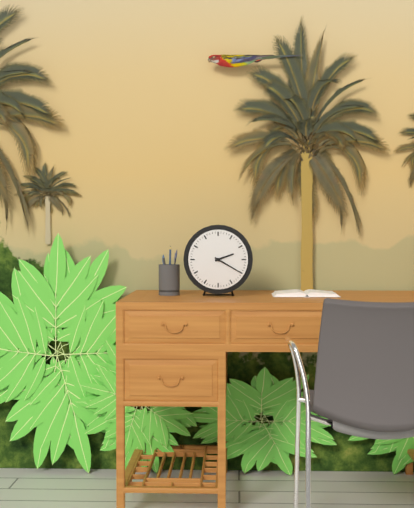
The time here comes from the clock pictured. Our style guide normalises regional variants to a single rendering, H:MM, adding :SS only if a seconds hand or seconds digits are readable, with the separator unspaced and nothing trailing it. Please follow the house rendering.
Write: 2:20
